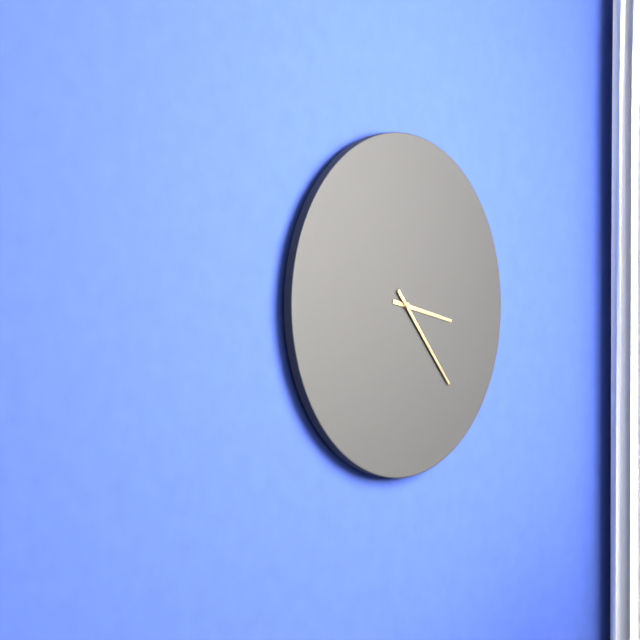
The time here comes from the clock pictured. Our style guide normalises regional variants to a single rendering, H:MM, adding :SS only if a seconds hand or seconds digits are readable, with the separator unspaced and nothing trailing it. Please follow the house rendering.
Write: 3:23
